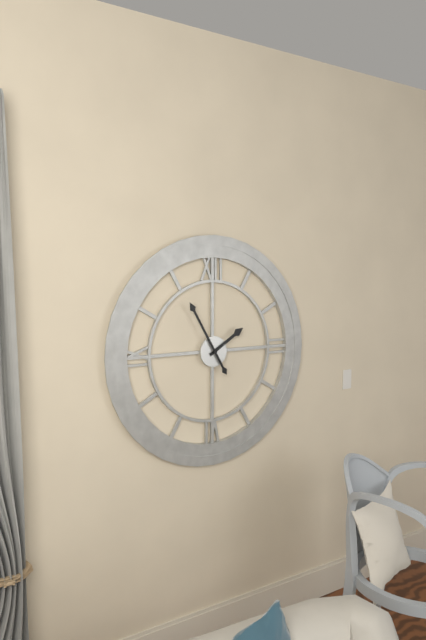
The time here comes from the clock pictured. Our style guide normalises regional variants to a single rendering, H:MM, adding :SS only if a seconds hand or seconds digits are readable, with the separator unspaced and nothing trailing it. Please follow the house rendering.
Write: 1:55
